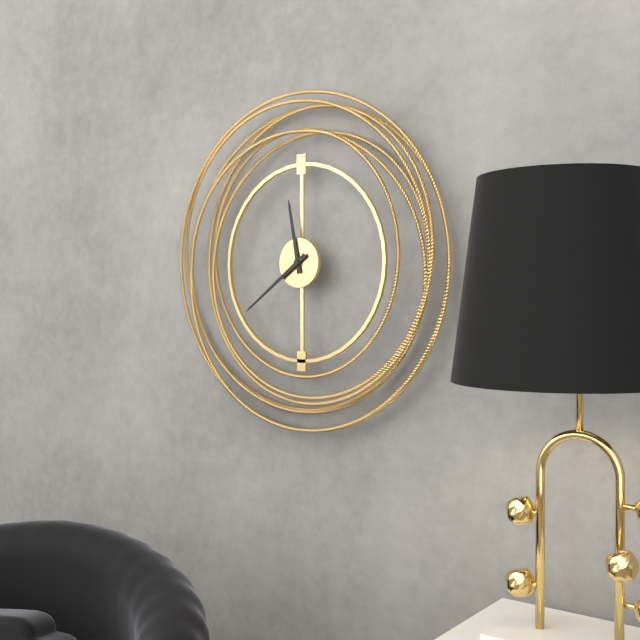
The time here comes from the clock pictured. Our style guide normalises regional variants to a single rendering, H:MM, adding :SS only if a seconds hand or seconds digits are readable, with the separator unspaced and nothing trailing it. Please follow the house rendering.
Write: 11:39
